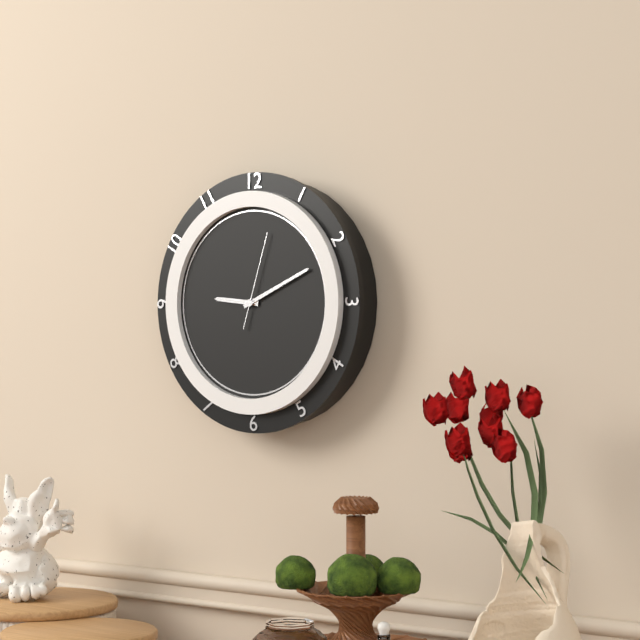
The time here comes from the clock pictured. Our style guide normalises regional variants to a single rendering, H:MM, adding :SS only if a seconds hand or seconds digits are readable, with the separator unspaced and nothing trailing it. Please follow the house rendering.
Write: 9:11:03
